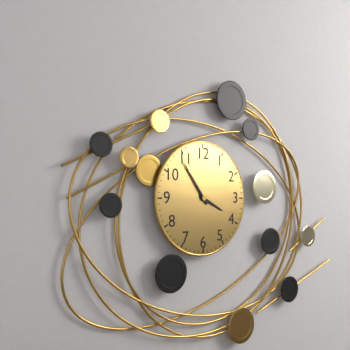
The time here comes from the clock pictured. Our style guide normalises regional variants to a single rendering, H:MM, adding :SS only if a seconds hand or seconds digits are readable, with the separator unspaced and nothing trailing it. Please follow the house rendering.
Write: 3:54
